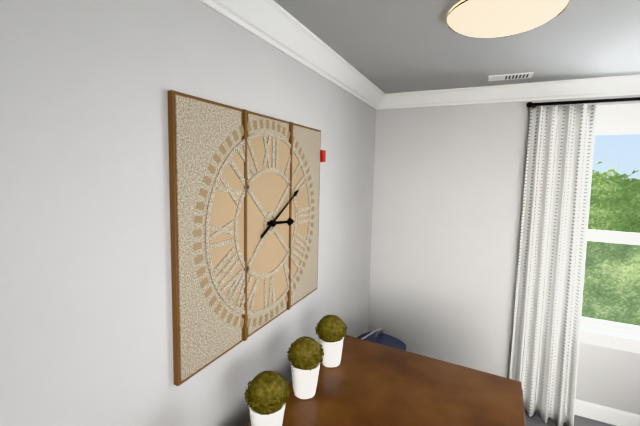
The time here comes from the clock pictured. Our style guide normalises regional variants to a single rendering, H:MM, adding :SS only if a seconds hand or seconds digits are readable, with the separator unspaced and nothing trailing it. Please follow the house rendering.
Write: 3:10
